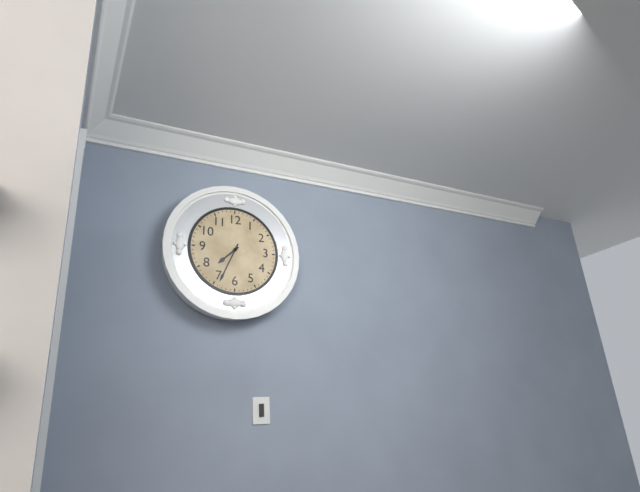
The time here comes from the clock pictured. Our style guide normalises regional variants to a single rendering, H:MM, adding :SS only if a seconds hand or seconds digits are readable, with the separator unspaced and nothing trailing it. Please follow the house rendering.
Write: 7:34
